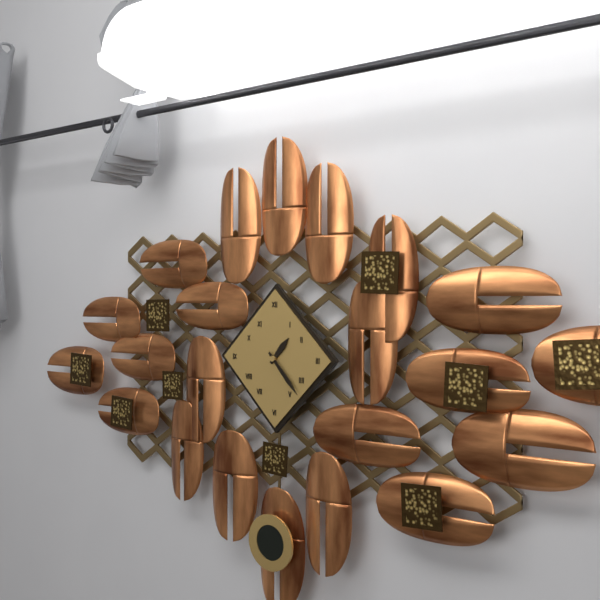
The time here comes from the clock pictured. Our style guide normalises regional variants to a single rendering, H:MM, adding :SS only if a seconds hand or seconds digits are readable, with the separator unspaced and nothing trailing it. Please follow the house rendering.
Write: 1:23
